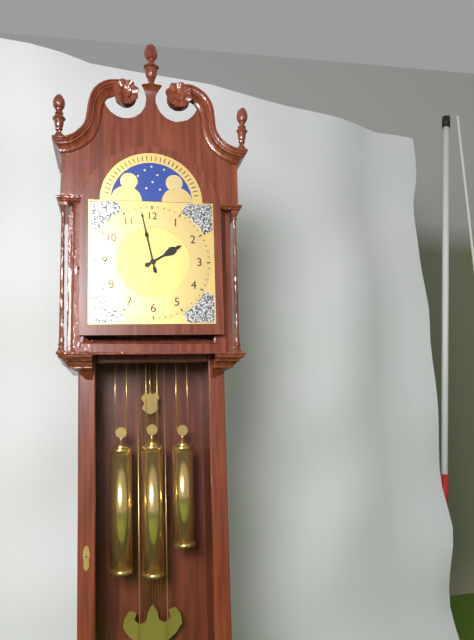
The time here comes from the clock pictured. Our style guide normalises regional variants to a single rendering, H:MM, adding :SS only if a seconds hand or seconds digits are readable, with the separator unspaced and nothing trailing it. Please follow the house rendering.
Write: 1:58
